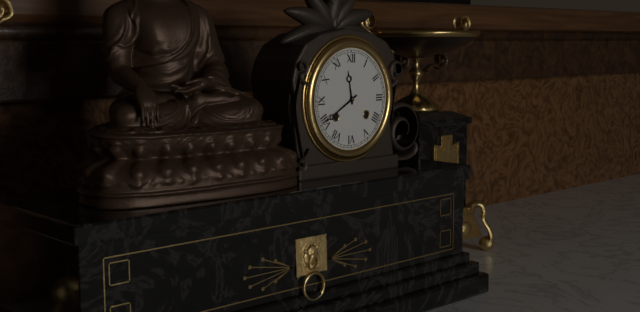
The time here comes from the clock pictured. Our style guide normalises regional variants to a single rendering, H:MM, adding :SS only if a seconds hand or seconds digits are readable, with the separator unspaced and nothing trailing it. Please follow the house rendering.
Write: 11:40
